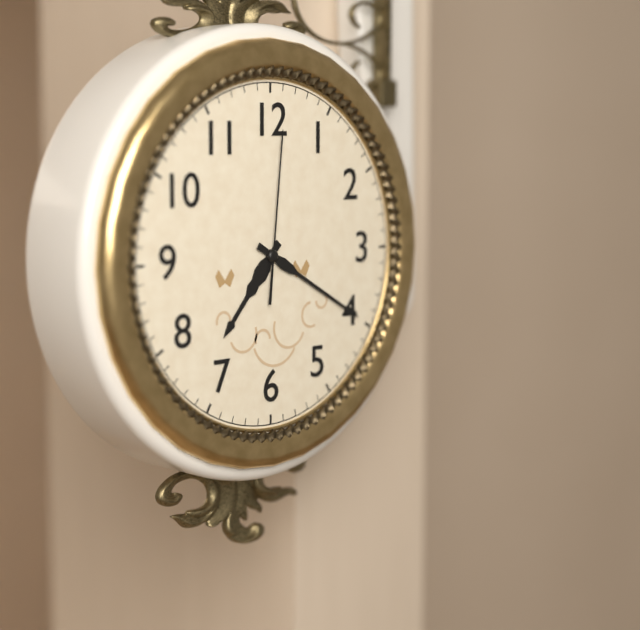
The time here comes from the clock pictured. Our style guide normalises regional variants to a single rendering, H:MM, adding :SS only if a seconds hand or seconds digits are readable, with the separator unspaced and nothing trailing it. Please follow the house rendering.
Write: 7:20:01
